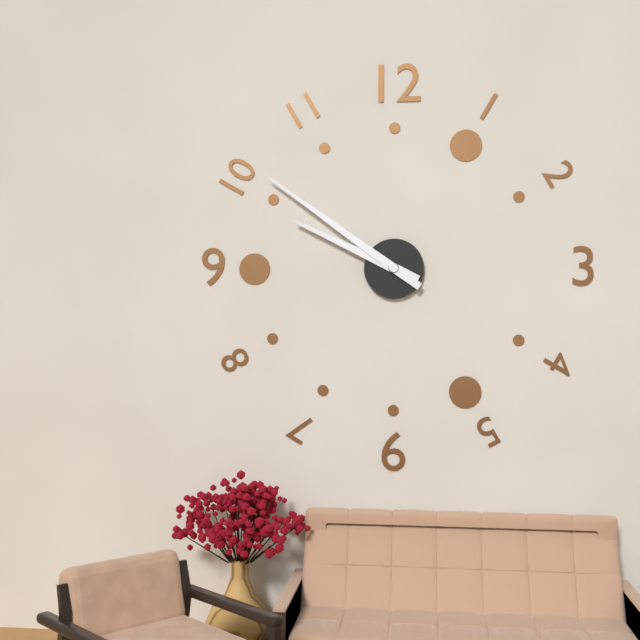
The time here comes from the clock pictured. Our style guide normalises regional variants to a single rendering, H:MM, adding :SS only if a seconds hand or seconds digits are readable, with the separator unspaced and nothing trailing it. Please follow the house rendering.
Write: 9:51
